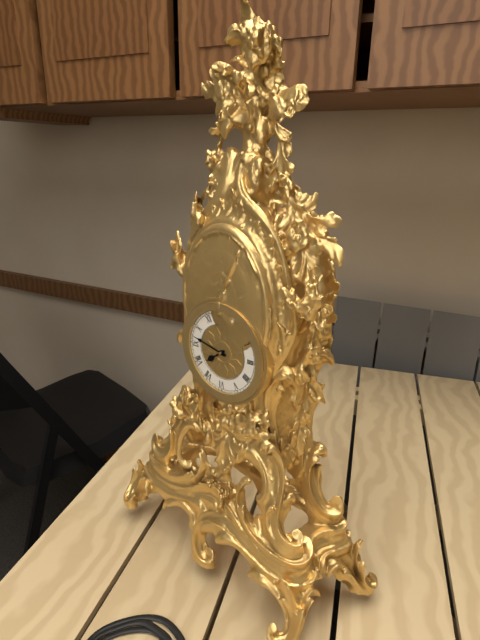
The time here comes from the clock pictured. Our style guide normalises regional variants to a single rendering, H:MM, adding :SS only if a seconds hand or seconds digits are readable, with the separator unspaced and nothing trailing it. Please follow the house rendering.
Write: 7:47
